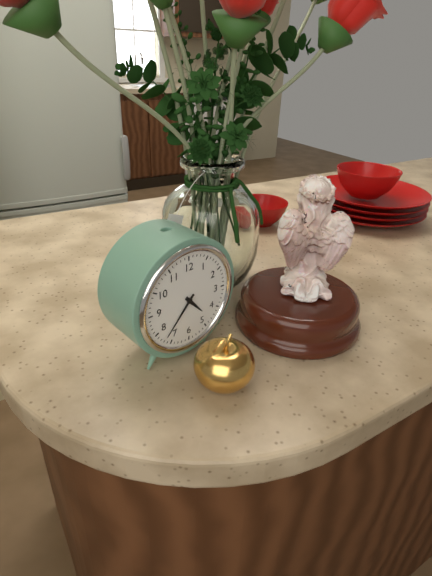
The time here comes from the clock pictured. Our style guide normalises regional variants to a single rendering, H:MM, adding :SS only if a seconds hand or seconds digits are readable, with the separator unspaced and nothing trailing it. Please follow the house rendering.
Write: 4:37
